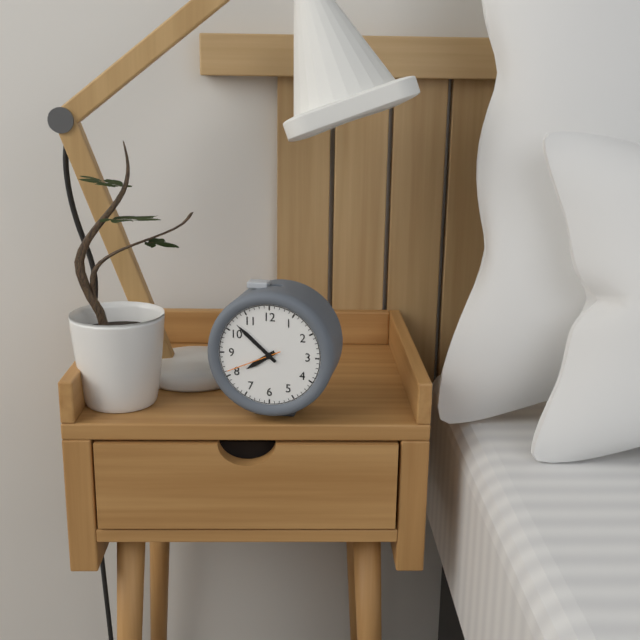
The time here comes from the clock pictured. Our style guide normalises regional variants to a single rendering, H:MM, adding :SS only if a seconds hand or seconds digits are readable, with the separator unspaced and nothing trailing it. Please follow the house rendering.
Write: 7:52:41
